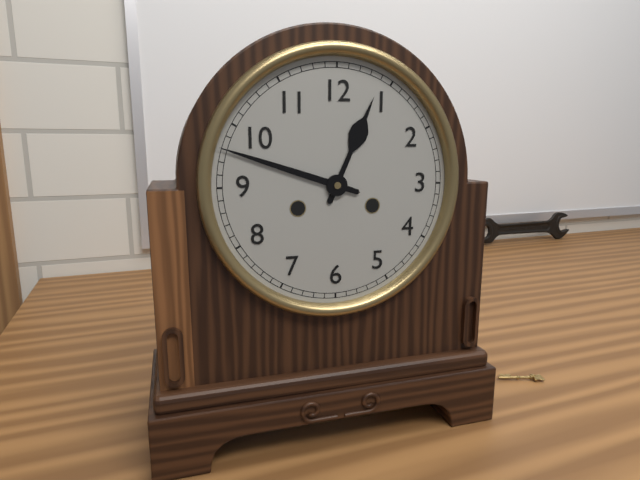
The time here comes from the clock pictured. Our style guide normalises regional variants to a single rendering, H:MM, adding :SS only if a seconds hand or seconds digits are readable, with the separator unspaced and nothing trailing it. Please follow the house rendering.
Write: 12:48
